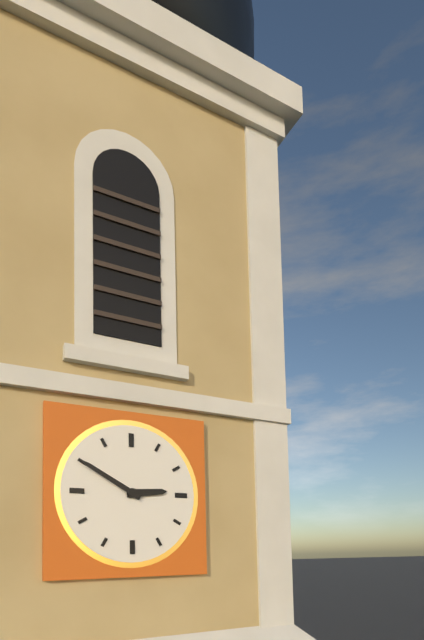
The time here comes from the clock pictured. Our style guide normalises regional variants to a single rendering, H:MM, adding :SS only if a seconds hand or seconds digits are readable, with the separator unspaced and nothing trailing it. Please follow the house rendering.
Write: 2:50
